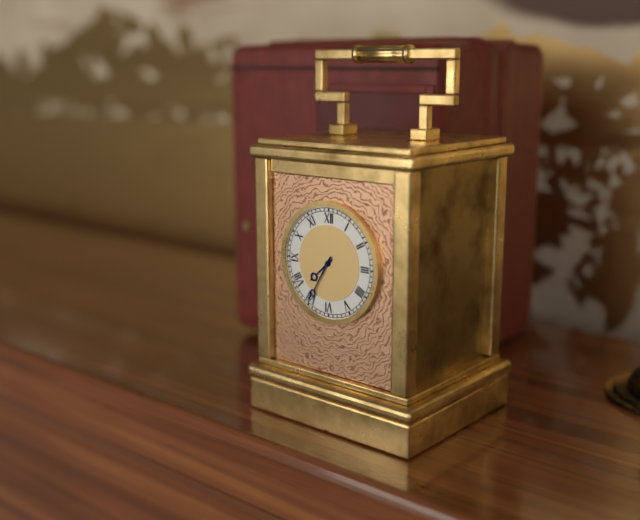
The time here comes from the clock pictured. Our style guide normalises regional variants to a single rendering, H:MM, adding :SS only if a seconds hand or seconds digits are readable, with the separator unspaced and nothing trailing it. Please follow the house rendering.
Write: 7:35
